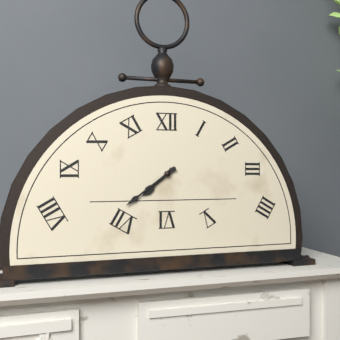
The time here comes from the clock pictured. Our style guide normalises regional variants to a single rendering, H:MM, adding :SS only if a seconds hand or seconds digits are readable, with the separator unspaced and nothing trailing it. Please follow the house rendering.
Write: 7:39
